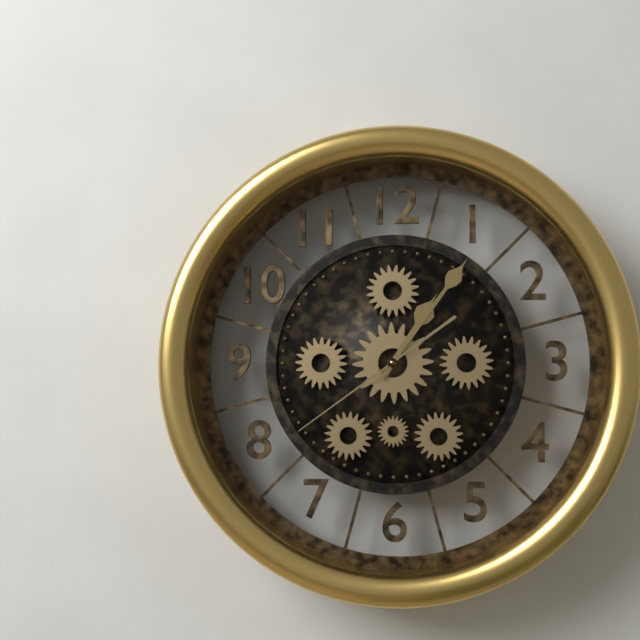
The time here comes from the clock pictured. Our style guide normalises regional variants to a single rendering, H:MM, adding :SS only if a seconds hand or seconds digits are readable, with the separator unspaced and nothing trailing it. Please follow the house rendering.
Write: 1:06:39
